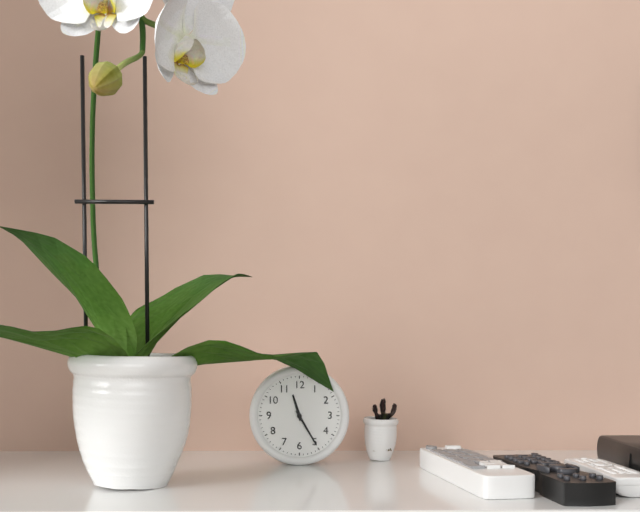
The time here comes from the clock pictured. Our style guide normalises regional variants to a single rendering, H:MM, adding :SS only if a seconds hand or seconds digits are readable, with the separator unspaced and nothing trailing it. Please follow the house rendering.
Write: 11:25
